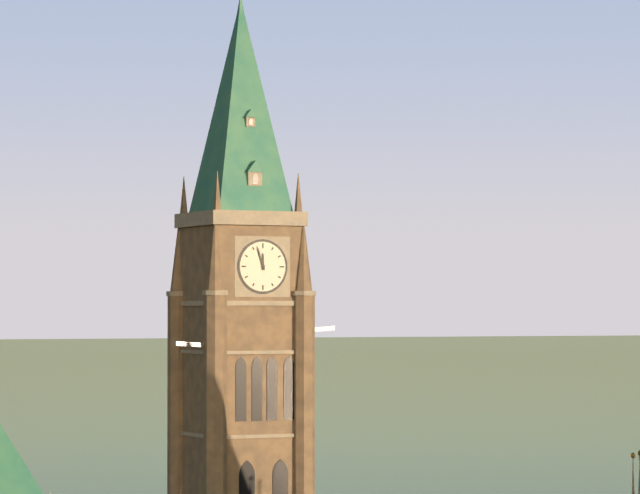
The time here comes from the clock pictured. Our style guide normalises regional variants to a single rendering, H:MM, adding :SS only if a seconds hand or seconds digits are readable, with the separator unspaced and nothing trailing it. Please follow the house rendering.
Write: 11:57
